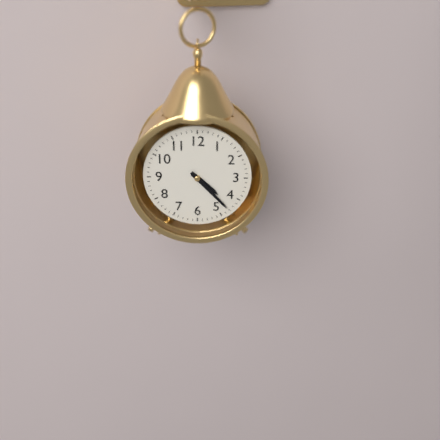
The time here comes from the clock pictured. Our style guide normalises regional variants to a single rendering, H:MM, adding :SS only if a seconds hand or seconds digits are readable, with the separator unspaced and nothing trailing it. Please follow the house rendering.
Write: 4:23
